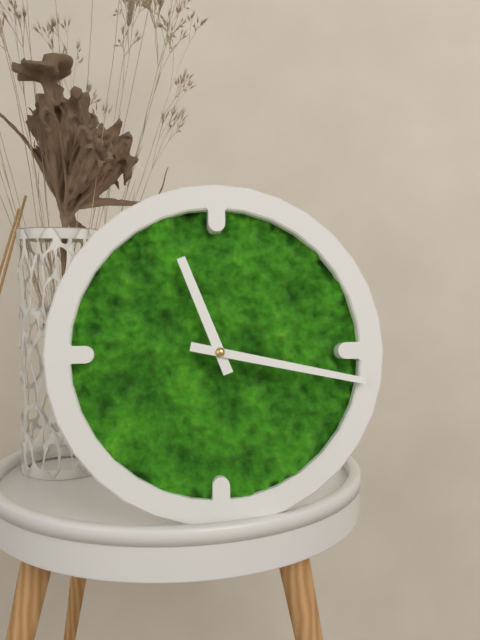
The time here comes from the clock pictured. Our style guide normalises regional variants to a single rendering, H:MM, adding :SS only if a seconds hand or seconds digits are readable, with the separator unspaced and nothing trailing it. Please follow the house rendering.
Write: 11:17
